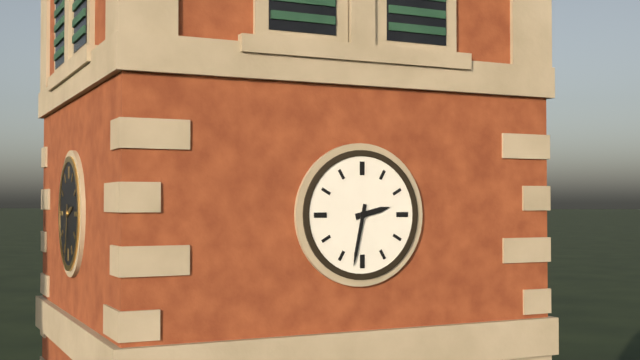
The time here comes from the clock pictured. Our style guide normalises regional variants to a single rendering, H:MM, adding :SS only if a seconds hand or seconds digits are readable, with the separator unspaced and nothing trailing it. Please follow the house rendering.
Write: 2:32
